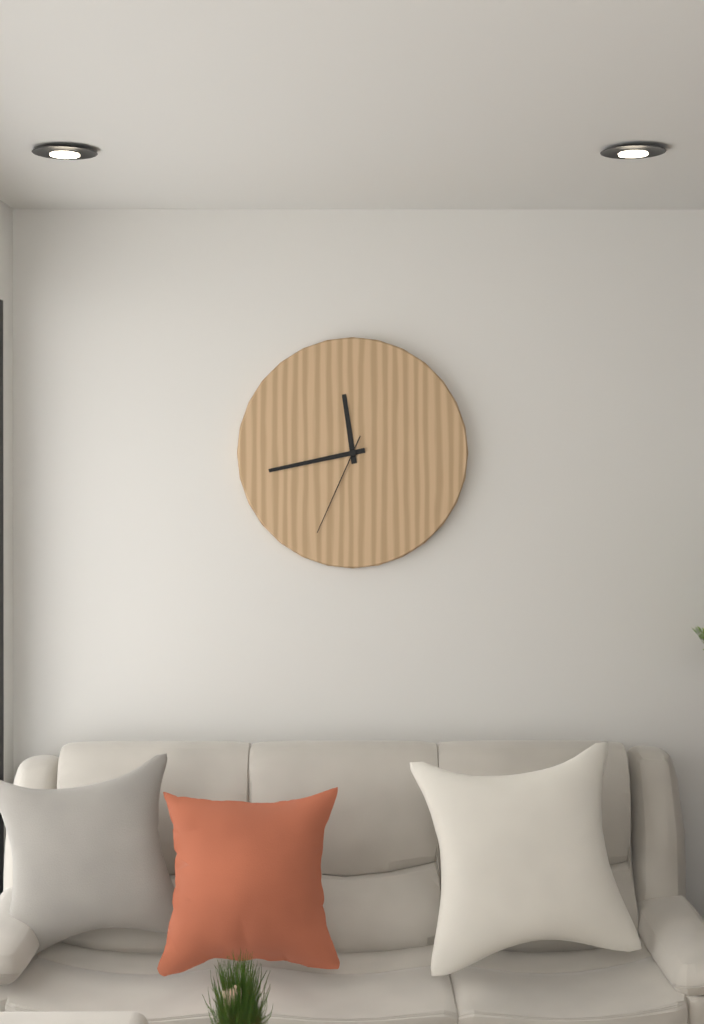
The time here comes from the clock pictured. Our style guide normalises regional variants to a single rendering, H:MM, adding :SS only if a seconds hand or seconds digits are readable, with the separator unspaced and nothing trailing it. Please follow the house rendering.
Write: 11:43:34
